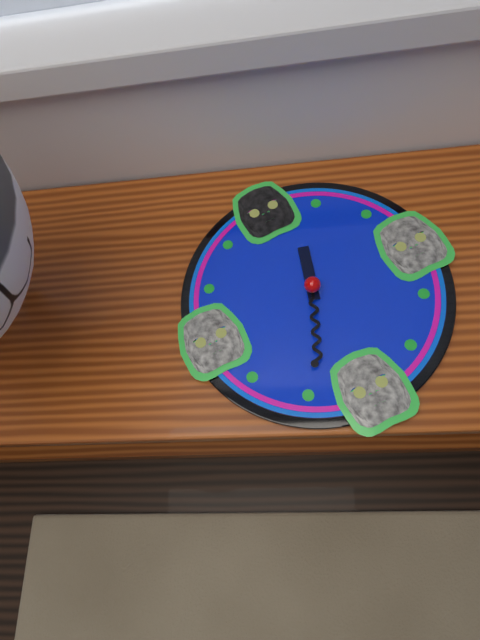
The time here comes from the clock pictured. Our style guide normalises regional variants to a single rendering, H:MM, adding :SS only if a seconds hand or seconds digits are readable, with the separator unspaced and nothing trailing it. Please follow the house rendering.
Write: 12:34
